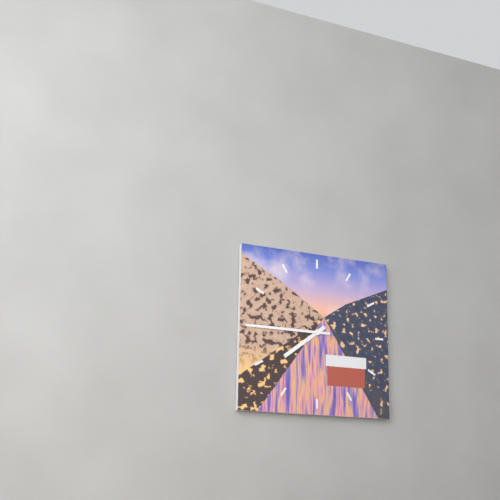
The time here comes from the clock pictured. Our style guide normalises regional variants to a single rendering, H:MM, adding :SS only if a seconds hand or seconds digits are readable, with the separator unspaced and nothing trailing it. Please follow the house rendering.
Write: 7:45
